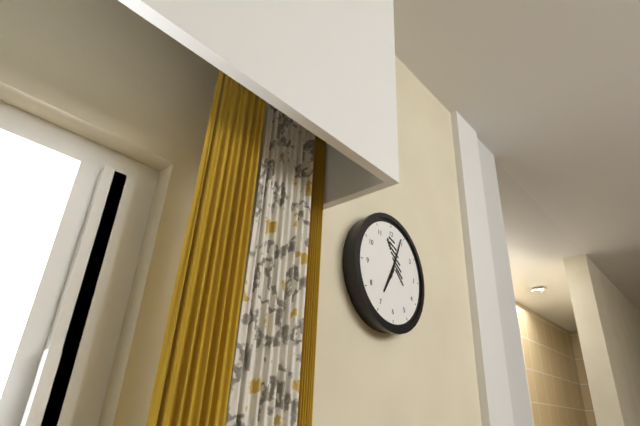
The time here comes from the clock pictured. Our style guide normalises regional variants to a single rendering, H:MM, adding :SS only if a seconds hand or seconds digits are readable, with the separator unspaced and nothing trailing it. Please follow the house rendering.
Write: 7:04
